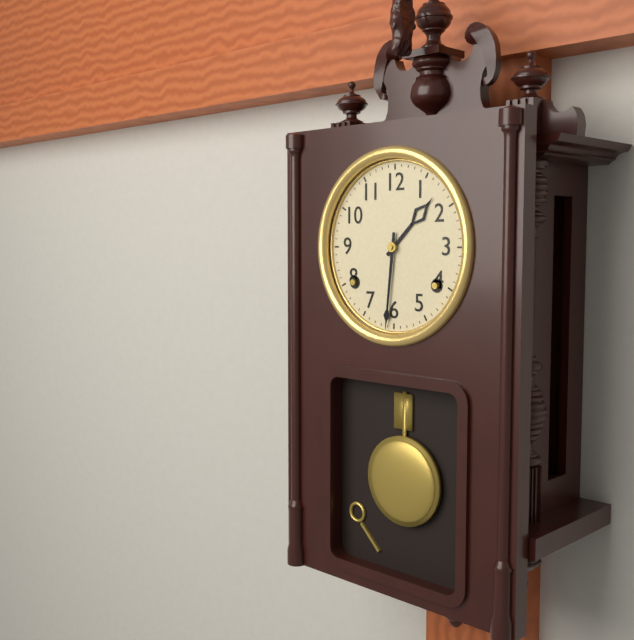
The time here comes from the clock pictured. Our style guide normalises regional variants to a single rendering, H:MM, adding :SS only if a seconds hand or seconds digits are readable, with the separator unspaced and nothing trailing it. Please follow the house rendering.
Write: 1:31
